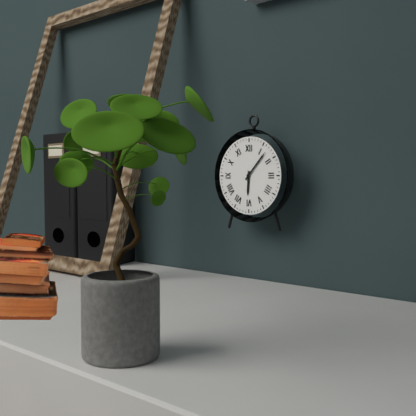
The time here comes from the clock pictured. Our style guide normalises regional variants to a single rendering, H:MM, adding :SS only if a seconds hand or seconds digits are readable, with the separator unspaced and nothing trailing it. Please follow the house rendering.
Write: 6:07
